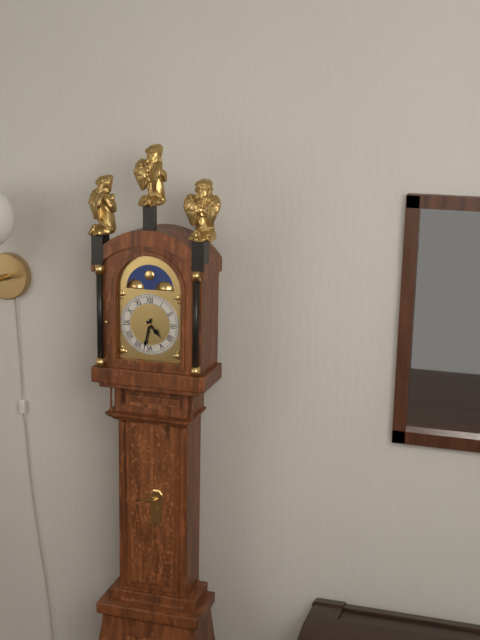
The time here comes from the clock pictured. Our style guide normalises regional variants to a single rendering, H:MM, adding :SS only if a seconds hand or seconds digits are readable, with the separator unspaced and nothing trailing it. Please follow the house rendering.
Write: 4:32
